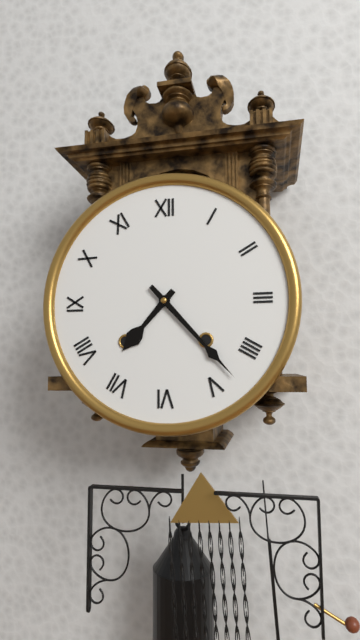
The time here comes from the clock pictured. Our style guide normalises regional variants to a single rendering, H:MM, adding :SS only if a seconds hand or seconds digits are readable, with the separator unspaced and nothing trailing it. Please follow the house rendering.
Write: 7:23
